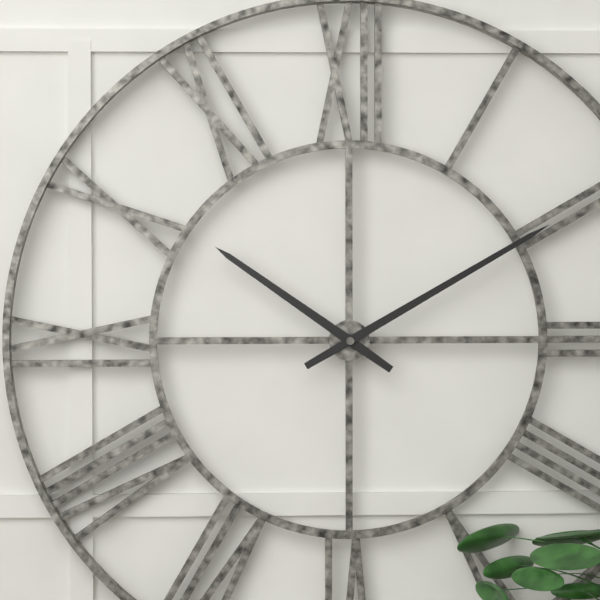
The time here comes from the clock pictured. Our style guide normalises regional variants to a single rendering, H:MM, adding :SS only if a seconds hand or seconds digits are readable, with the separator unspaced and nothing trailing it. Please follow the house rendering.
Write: 10:10
